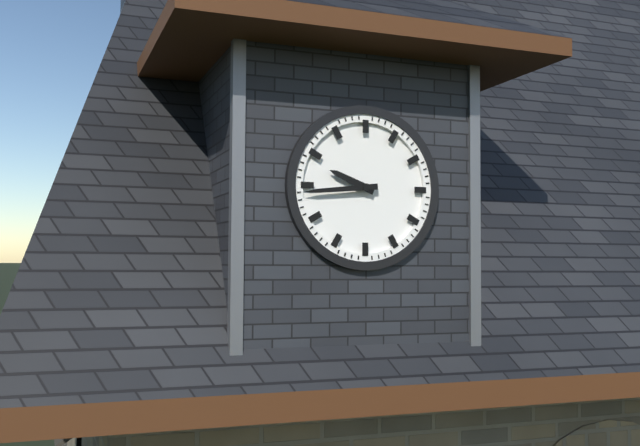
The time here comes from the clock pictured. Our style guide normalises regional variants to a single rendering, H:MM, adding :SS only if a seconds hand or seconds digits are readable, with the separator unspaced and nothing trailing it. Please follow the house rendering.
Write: 9:44
